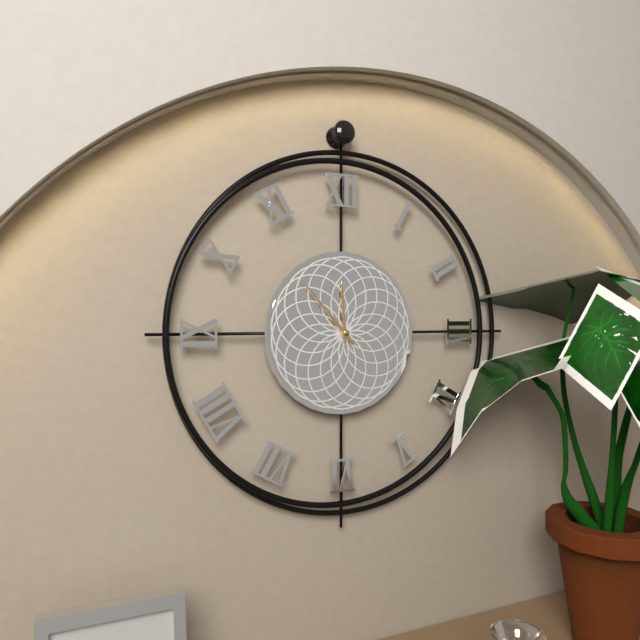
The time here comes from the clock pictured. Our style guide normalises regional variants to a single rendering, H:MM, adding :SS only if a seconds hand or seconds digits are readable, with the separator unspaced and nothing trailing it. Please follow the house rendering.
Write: 11:53
